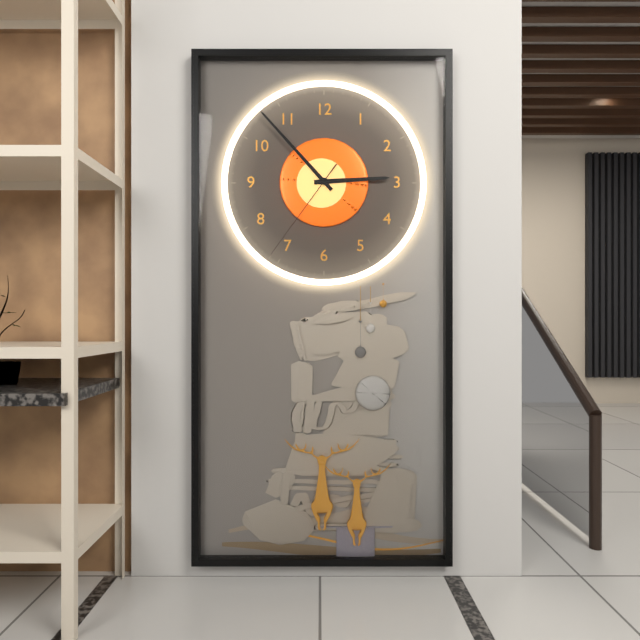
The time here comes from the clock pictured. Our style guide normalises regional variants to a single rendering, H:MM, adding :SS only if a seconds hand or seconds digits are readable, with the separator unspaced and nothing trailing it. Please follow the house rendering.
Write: 2:53:36
